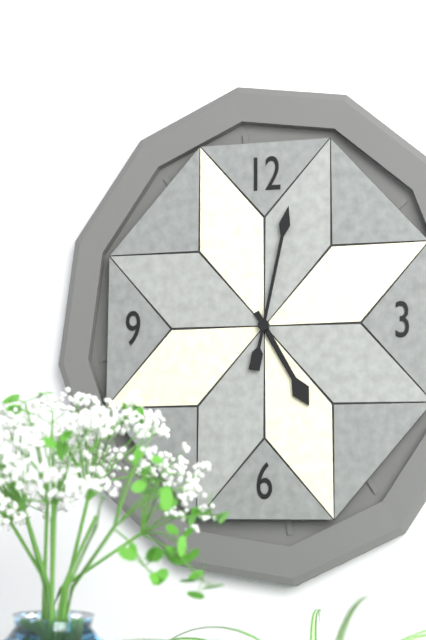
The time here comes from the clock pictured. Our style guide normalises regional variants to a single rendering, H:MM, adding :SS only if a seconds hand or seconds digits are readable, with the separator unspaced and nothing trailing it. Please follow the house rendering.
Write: 5:02
